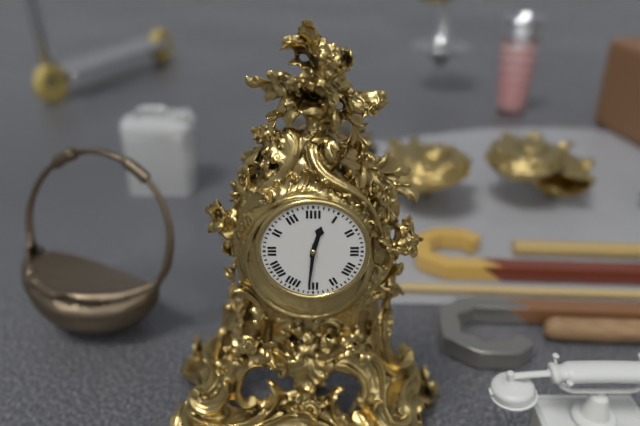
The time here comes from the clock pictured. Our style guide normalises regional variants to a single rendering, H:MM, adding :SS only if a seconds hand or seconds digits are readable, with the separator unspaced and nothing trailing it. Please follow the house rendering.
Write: 12:31
